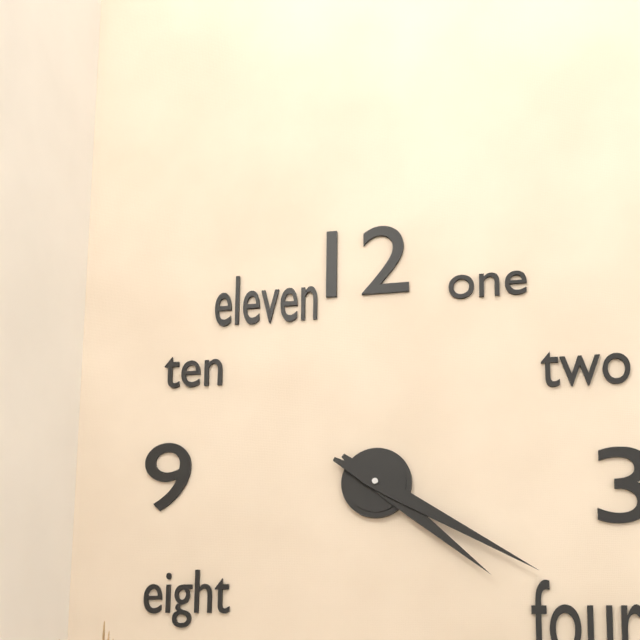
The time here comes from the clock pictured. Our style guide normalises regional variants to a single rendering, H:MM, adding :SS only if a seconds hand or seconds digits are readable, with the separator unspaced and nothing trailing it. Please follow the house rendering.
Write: 4:20
